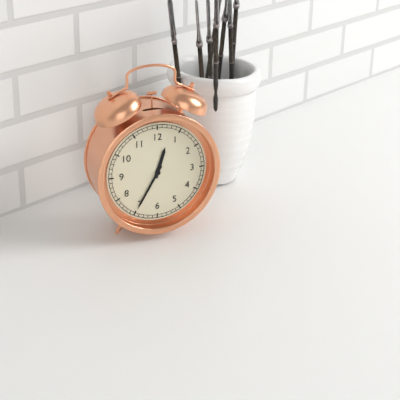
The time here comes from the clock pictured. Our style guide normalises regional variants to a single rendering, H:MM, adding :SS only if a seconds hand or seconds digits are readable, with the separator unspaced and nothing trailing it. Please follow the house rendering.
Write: 12:35
